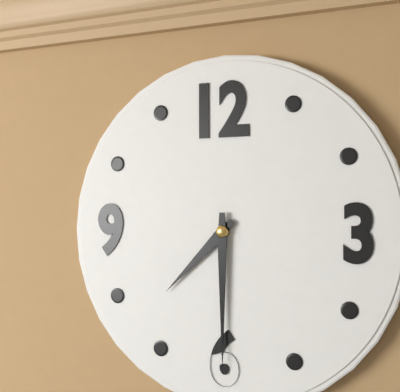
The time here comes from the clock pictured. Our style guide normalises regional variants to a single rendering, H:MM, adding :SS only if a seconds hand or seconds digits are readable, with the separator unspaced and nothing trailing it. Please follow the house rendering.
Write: 7:30
